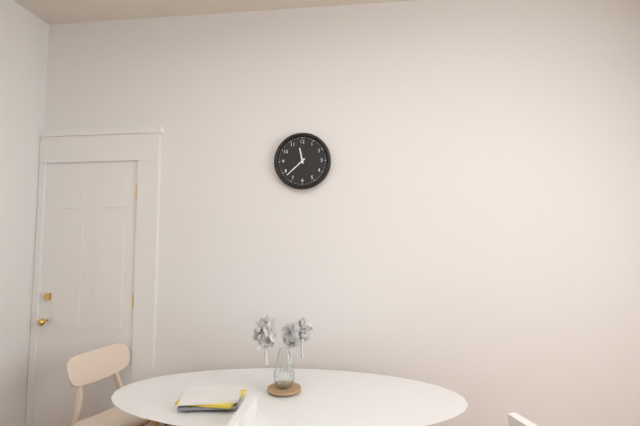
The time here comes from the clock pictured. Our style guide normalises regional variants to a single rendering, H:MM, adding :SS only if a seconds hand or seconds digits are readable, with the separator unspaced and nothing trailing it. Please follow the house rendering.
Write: 11:38
